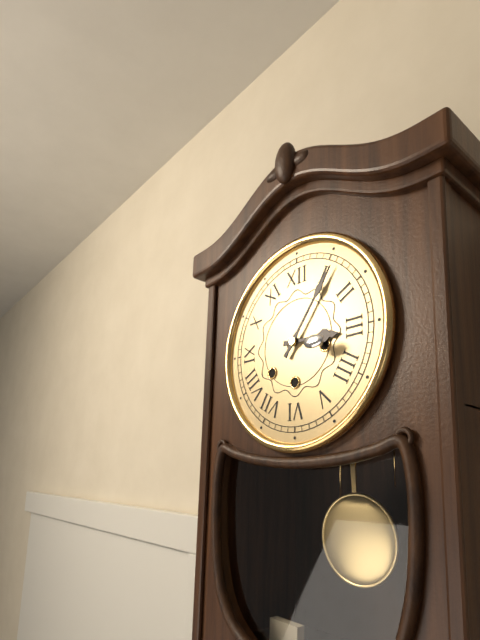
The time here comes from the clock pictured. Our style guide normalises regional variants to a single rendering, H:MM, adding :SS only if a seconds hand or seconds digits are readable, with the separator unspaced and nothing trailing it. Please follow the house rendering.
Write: 3:06
